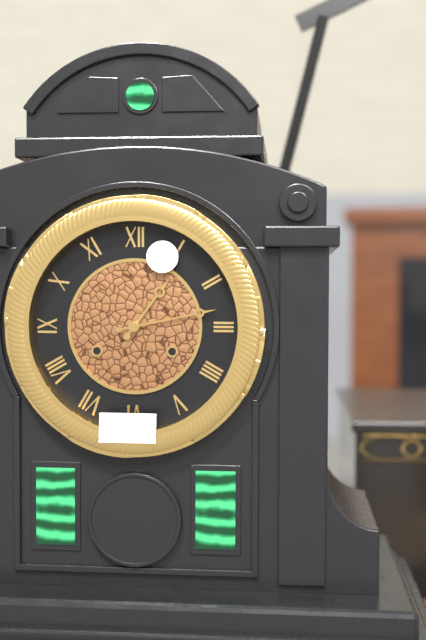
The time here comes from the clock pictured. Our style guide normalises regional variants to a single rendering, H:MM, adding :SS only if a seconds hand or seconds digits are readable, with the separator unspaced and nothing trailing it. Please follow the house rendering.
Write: 1:13
